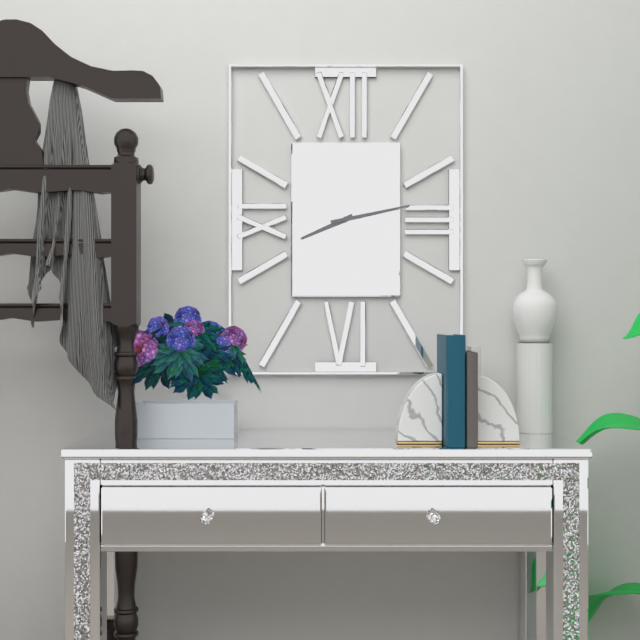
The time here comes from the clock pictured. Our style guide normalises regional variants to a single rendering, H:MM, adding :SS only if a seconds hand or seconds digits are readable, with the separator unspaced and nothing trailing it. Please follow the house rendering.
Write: 8:13
